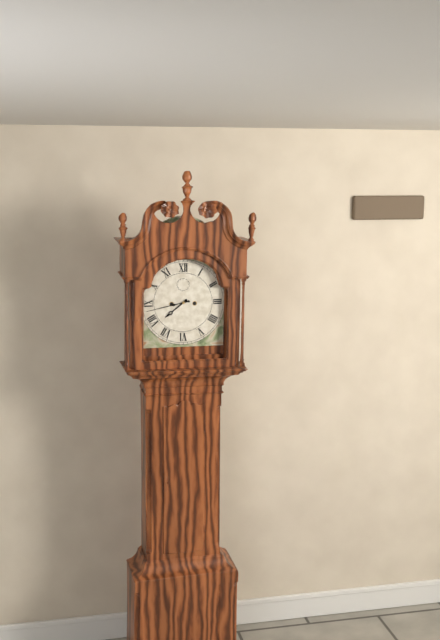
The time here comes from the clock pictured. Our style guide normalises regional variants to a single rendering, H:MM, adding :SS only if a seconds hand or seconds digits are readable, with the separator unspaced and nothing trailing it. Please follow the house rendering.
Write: 7:43
